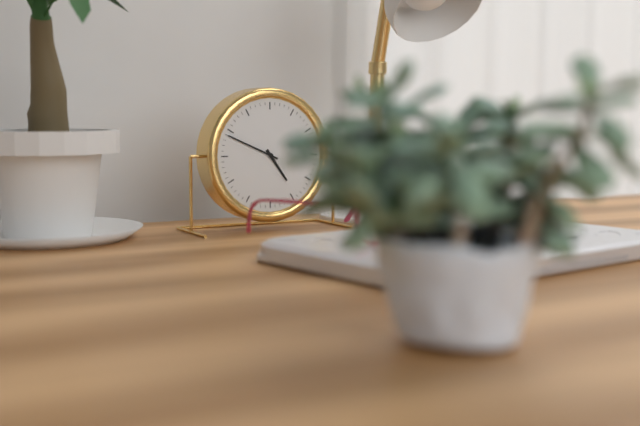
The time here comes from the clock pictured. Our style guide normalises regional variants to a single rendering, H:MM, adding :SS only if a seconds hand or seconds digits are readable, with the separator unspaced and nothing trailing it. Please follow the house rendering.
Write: 4:49
